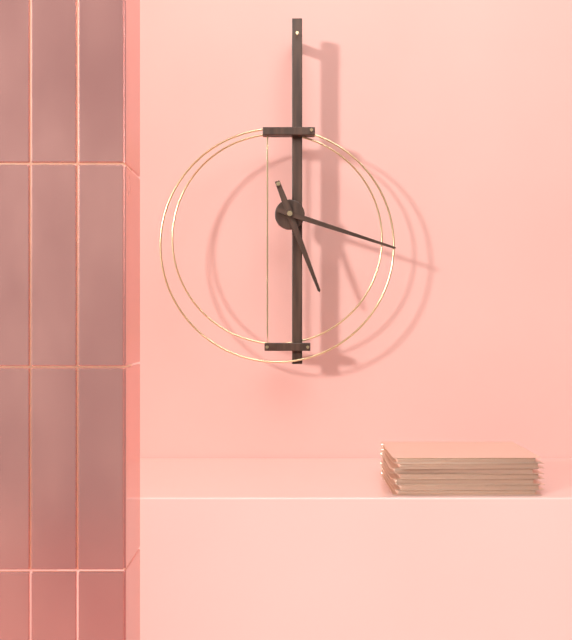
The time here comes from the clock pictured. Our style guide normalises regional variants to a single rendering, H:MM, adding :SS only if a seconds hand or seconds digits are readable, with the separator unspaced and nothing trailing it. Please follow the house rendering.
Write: 5:18
